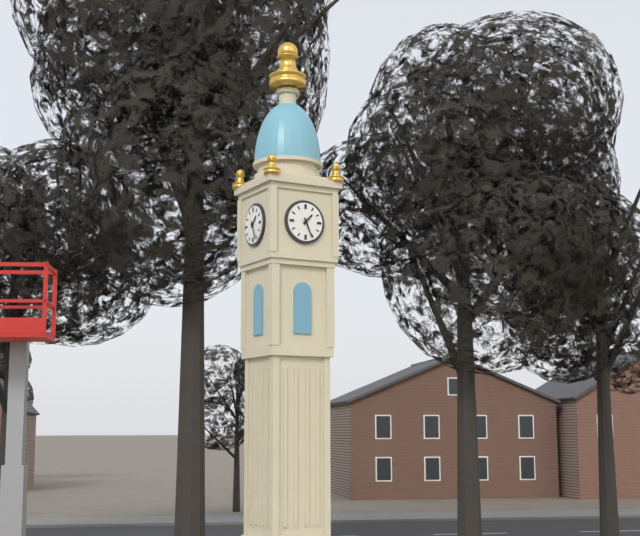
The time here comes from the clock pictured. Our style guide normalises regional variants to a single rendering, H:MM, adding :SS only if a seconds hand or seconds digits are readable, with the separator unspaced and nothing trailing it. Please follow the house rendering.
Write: 1:26
